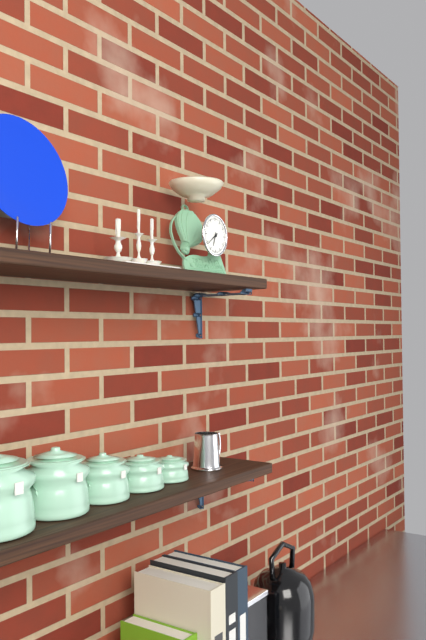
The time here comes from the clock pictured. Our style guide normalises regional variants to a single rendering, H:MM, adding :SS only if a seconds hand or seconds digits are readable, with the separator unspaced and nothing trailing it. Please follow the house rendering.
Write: 6:39
